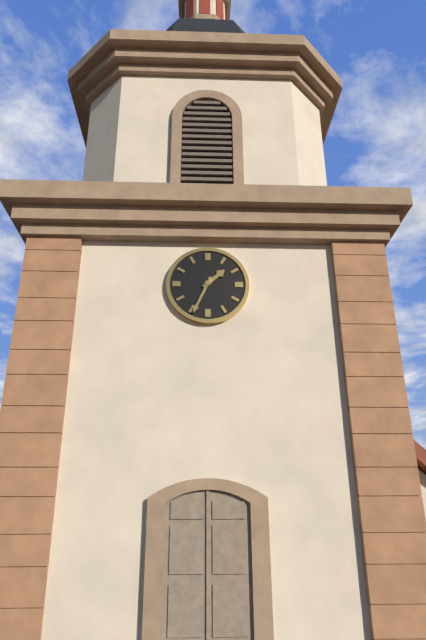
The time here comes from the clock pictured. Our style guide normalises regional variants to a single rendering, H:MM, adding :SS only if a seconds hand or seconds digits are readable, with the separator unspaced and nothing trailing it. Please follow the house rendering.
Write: 1:34
